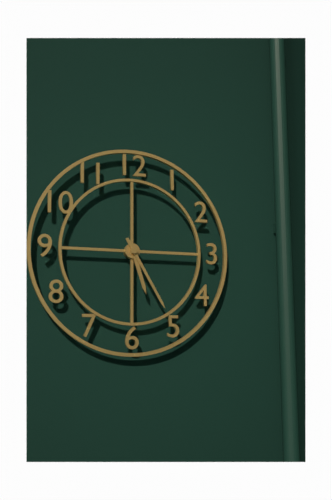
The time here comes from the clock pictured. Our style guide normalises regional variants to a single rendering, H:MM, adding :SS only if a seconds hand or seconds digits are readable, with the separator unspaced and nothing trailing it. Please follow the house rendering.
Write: 5:25
